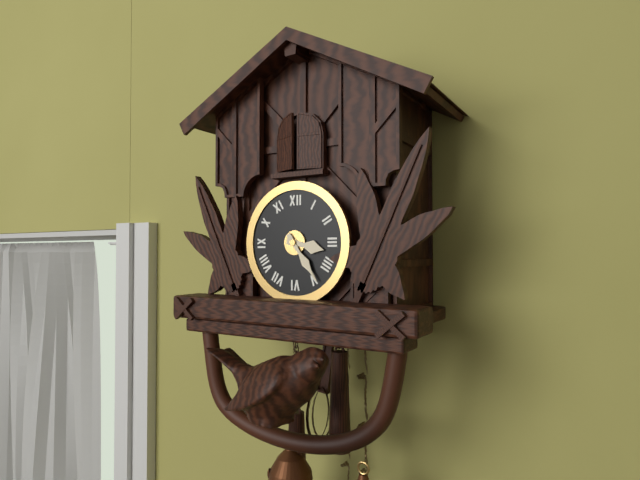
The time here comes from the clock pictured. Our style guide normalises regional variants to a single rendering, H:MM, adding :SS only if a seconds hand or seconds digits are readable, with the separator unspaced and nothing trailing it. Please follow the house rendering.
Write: 3:24
